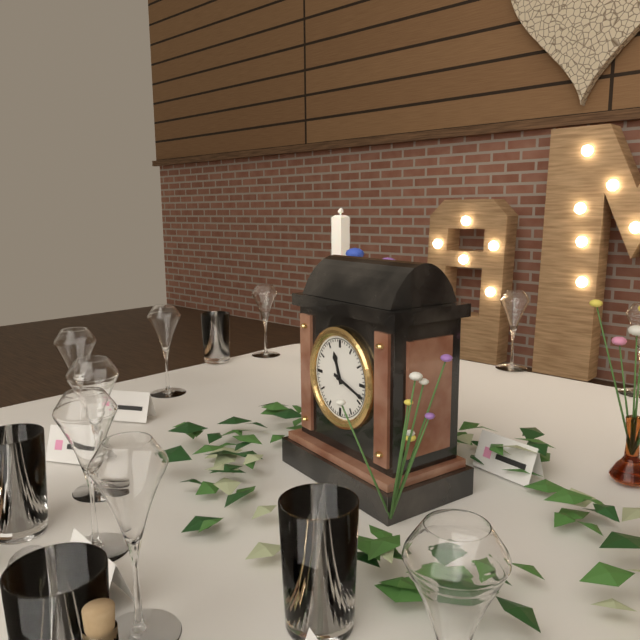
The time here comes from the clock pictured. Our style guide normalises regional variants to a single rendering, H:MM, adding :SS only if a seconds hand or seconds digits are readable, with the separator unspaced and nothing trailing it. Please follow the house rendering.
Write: 11:18
